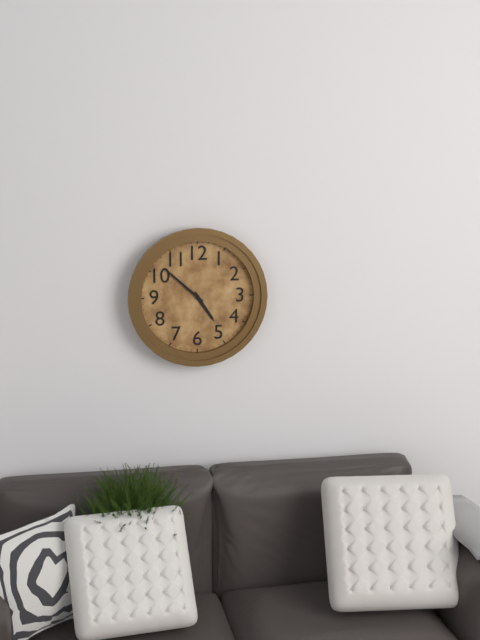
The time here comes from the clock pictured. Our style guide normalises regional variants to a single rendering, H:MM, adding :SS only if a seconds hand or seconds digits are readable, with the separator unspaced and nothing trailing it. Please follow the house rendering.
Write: 4:52
